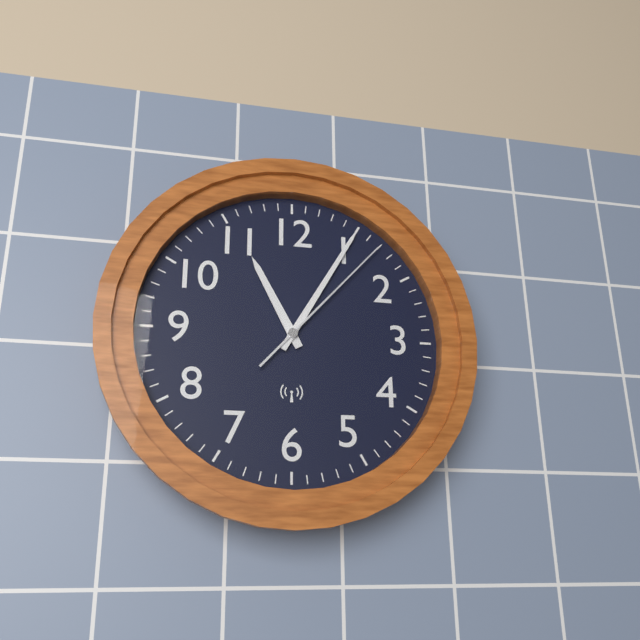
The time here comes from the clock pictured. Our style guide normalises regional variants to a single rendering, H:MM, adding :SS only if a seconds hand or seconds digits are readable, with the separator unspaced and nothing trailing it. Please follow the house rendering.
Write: 11:05:07
